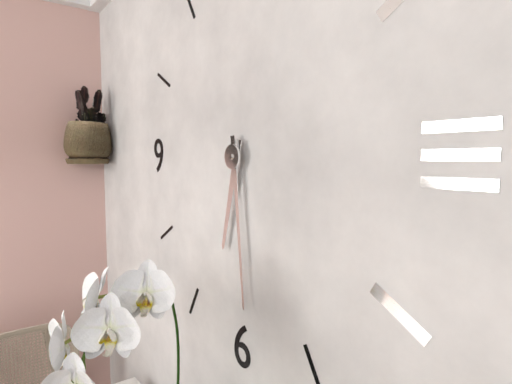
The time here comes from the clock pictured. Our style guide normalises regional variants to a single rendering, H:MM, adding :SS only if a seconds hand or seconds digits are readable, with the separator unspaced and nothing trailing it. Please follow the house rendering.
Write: 6:29
